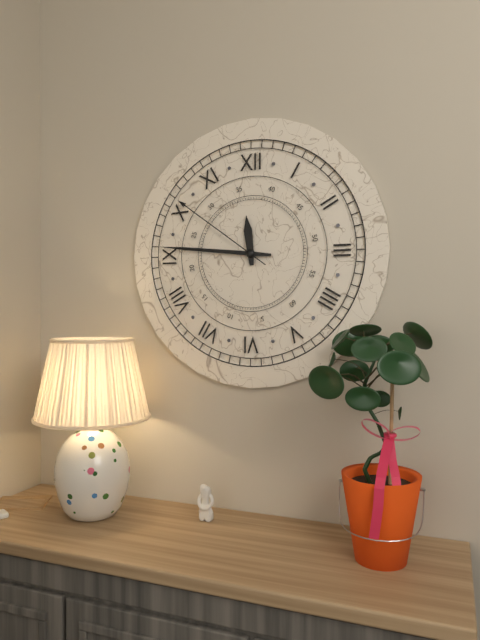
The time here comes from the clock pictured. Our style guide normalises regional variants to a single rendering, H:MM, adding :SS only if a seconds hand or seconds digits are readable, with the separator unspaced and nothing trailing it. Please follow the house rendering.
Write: 11:46:51
